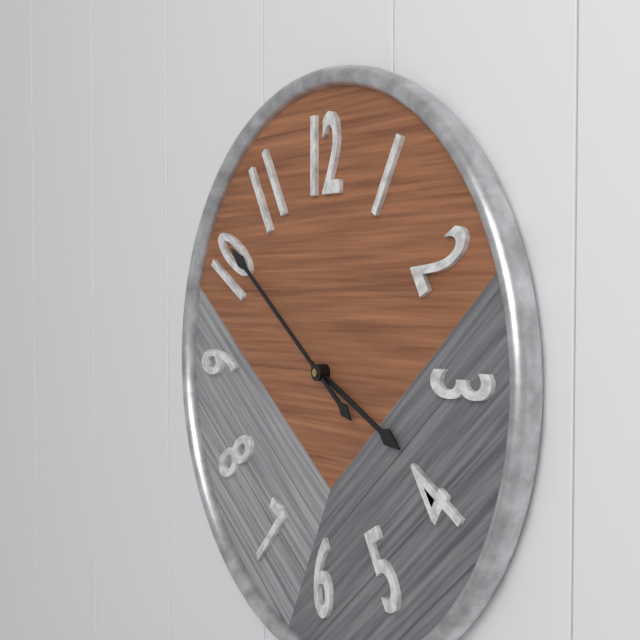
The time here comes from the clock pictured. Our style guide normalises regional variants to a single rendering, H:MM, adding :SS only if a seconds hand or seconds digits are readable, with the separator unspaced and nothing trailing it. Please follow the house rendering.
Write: 3:51
